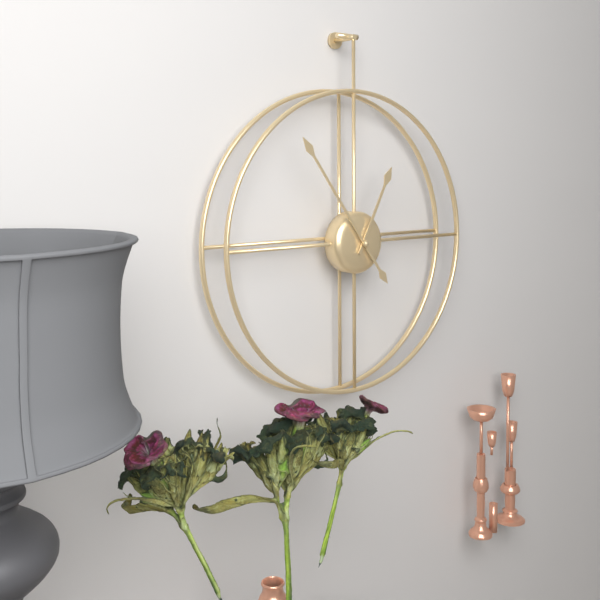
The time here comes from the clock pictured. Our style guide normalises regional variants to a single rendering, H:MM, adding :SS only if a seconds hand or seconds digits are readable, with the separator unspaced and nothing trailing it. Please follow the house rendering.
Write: 12:54
